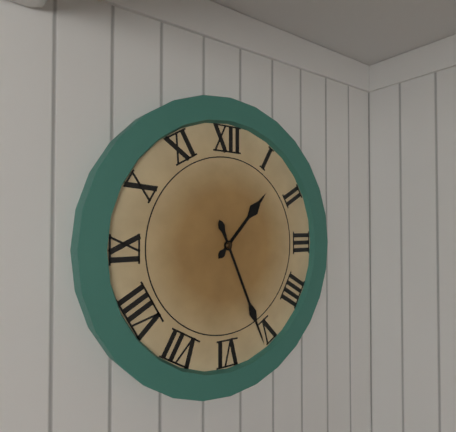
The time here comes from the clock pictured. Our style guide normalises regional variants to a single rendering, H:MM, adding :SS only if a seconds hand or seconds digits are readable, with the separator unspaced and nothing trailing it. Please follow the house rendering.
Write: 1:26
